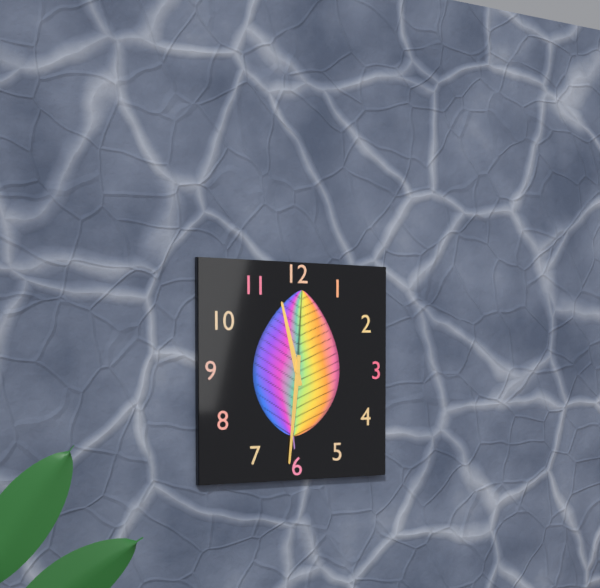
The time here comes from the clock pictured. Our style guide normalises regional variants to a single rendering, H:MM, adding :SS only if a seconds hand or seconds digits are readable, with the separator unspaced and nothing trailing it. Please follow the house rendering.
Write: 11:31
